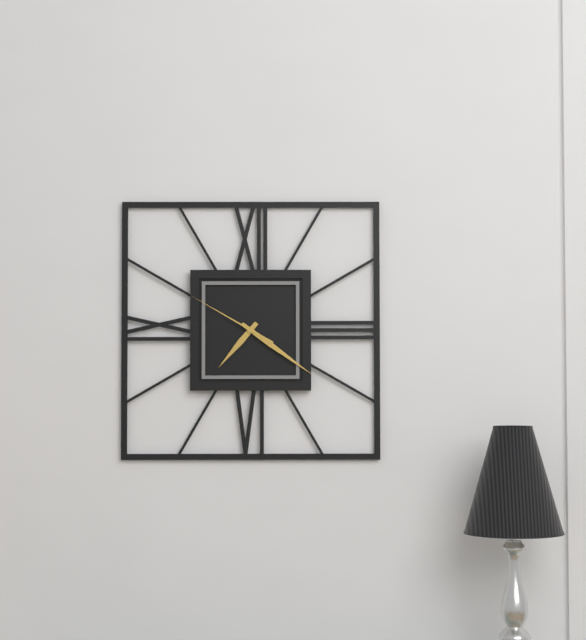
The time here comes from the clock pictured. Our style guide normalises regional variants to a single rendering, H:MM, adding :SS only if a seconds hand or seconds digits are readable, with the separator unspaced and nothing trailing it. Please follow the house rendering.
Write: 7:21:50
